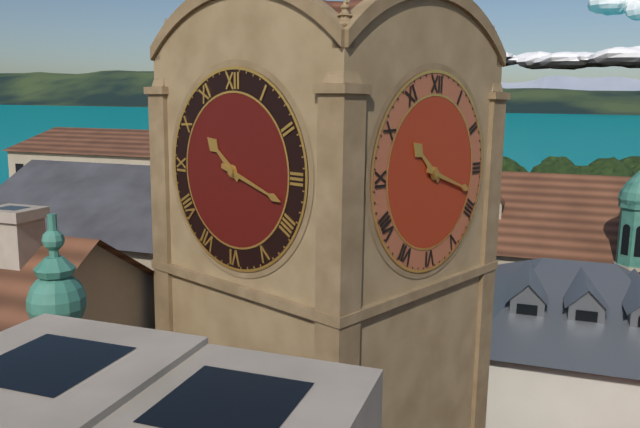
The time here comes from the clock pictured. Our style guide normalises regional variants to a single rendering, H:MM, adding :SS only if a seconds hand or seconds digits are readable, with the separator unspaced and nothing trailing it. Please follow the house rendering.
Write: 10:18
